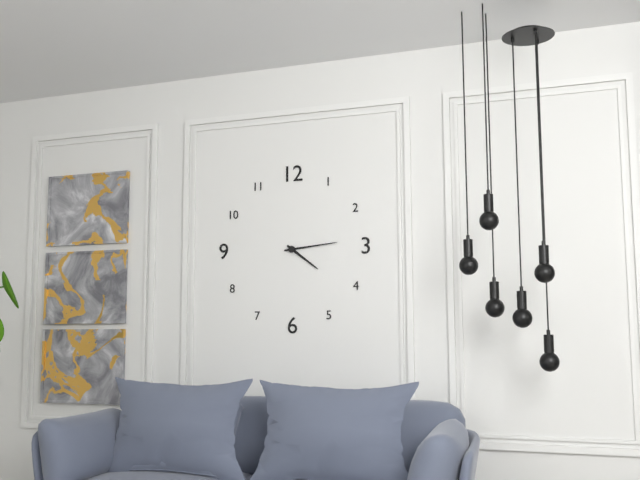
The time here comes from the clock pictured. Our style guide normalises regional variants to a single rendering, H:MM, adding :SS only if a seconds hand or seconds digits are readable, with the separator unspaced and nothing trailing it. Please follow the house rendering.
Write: 4:14
